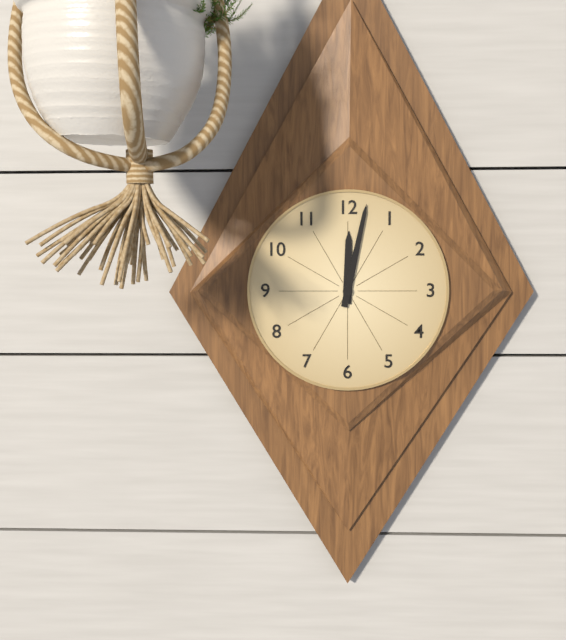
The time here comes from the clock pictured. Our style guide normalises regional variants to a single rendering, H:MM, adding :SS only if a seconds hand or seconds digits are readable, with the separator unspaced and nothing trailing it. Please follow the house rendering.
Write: 12:02
